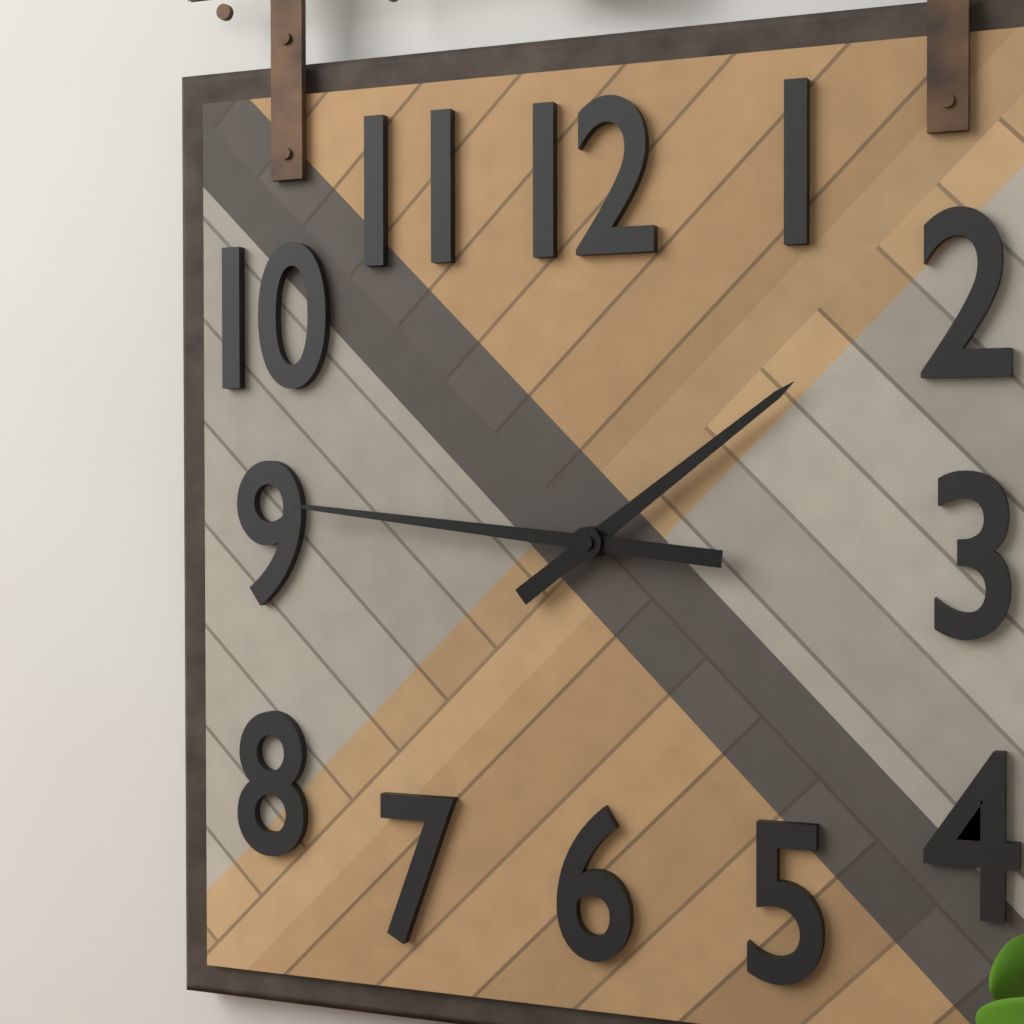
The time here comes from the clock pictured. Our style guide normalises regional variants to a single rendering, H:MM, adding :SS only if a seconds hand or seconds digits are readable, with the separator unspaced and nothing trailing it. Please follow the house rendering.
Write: 1:46
